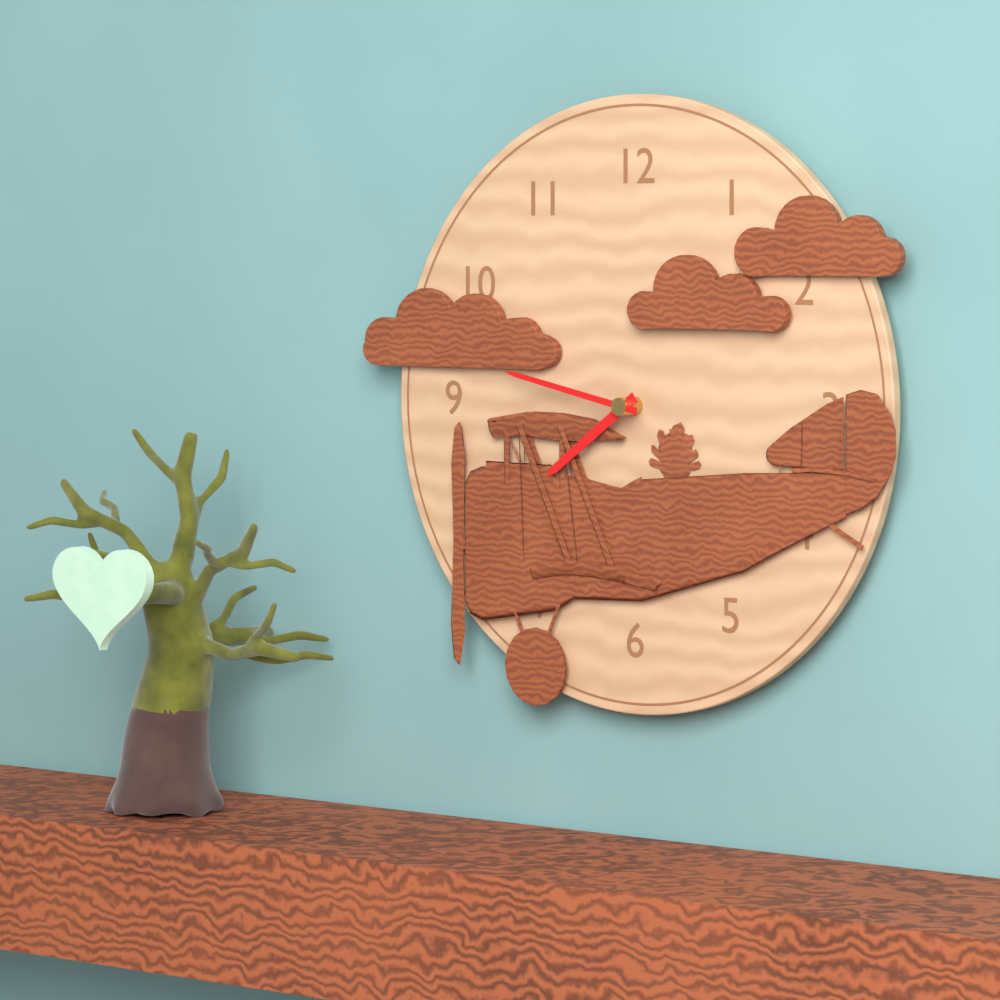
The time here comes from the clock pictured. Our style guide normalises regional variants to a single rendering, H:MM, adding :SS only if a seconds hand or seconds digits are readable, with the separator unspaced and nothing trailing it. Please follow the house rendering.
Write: 7:47
